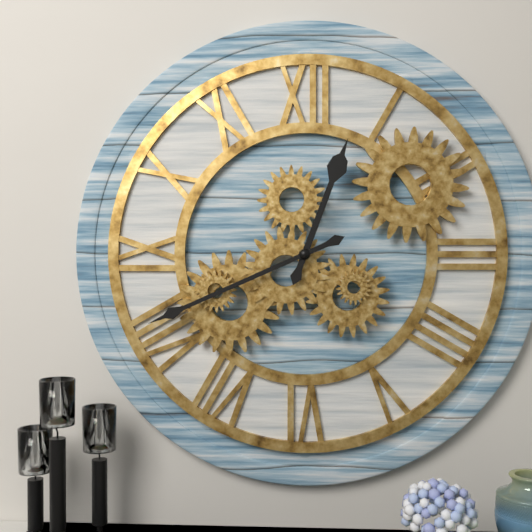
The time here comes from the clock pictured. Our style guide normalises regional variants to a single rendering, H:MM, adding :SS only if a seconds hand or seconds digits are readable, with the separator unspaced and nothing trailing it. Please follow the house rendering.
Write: 12:41
